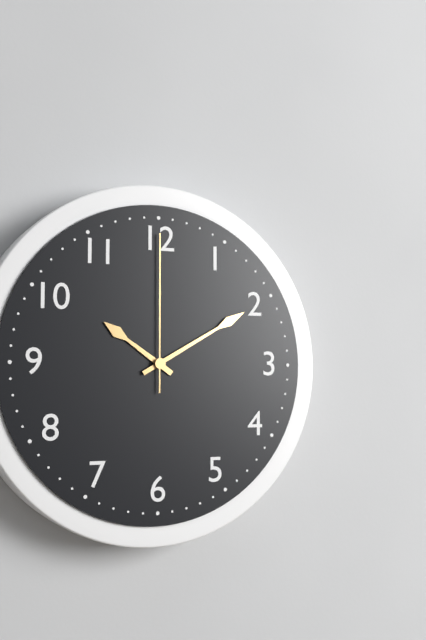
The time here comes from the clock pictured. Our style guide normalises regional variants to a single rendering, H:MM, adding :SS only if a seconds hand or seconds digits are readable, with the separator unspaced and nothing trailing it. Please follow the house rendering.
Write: 10:10:00
